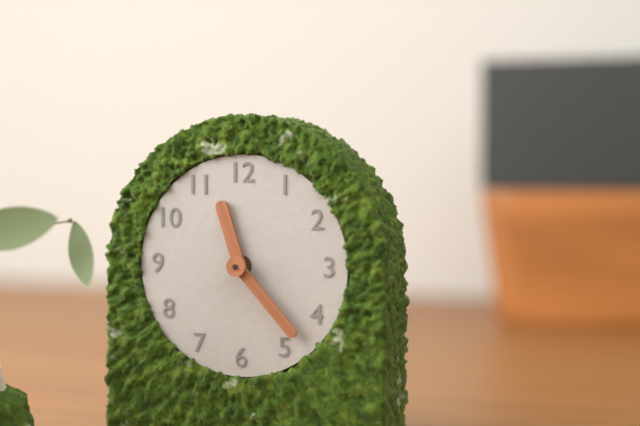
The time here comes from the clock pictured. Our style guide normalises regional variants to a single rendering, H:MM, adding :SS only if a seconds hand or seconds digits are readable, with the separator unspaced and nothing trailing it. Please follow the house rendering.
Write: 11:23
